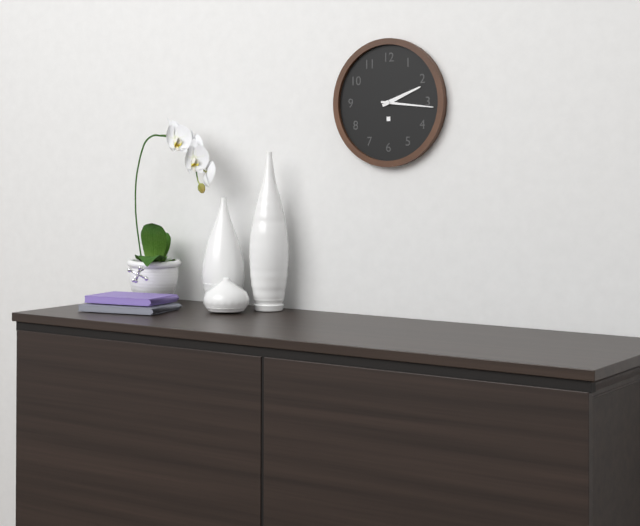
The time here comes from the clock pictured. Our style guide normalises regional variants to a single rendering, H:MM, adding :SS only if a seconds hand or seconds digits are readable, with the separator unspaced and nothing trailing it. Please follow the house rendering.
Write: 2:16
